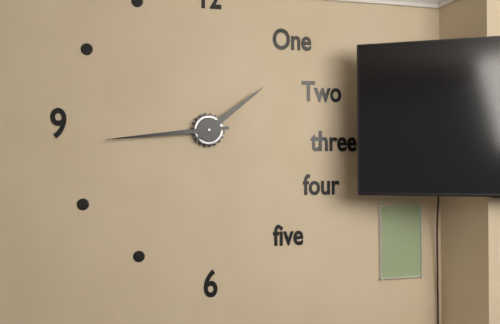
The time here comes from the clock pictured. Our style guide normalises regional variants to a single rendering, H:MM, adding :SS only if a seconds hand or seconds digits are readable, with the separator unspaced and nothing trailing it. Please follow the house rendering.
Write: 1:44
